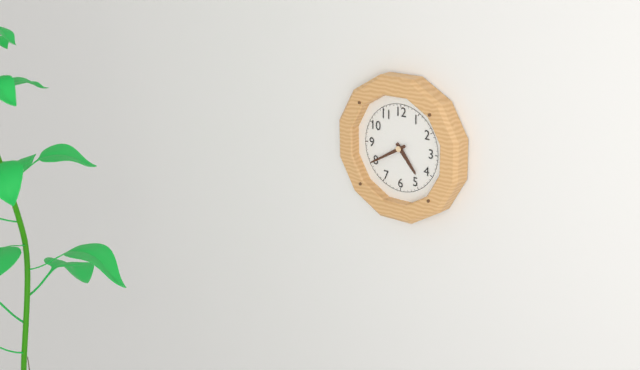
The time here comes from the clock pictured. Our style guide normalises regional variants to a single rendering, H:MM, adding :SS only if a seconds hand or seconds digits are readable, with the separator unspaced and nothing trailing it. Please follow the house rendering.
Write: 4:40
